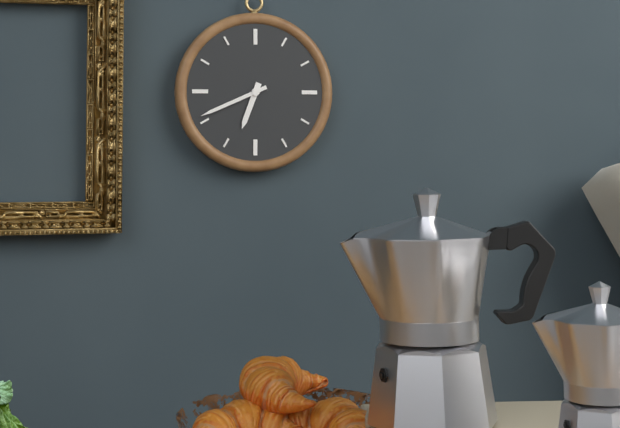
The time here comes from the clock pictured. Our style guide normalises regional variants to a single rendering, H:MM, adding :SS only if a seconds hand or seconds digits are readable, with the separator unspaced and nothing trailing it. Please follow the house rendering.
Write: 6:41
